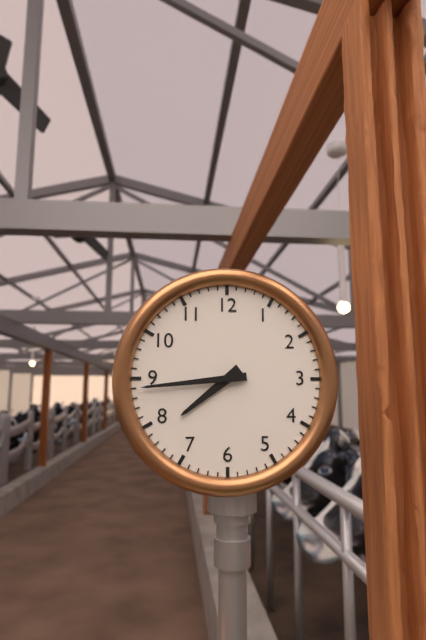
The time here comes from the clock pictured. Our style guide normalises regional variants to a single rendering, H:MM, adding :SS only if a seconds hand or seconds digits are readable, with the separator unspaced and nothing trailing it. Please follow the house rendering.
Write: 7:44
